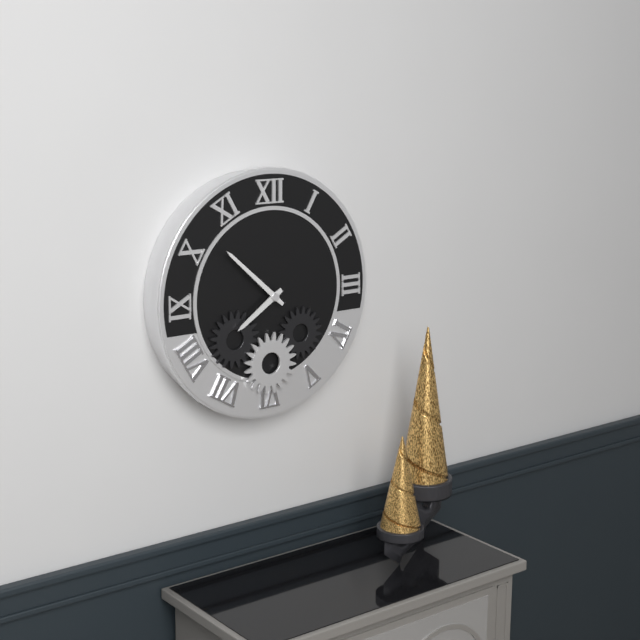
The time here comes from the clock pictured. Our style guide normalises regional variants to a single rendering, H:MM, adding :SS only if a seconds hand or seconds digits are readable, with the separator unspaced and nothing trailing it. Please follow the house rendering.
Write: 7:52
